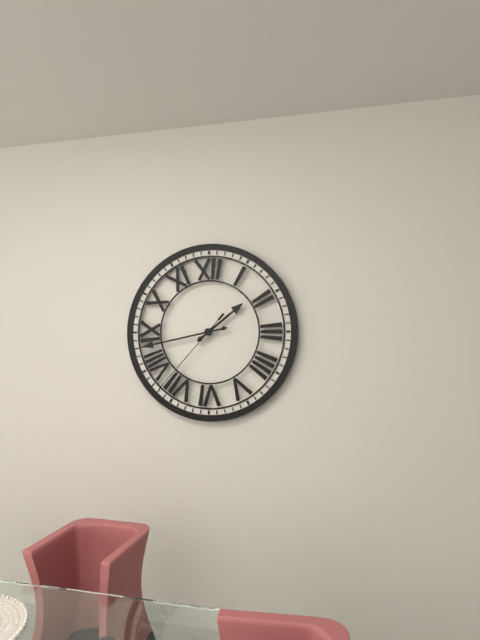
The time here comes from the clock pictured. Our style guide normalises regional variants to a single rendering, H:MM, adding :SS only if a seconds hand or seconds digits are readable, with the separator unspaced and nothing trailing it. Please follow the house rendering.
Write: 1:43:37
